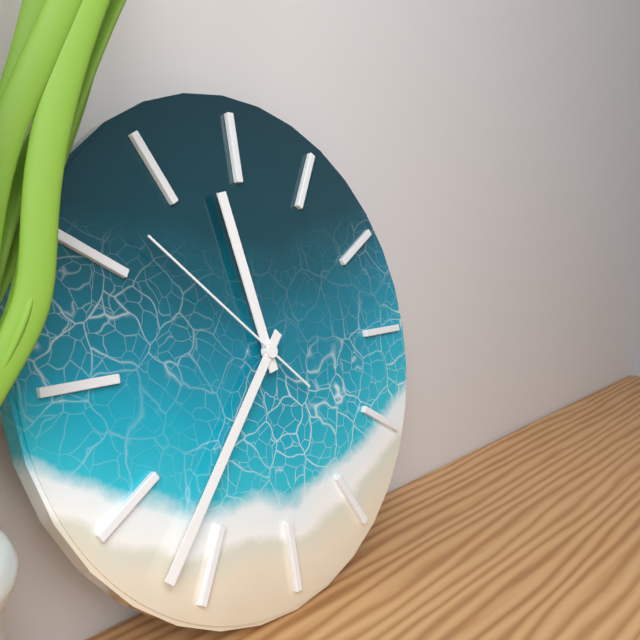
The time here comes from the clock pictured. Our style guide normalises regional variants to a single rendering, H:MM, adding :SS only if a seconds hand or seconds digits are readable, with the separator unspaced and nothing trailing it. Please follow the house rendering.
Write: 11:37:52
